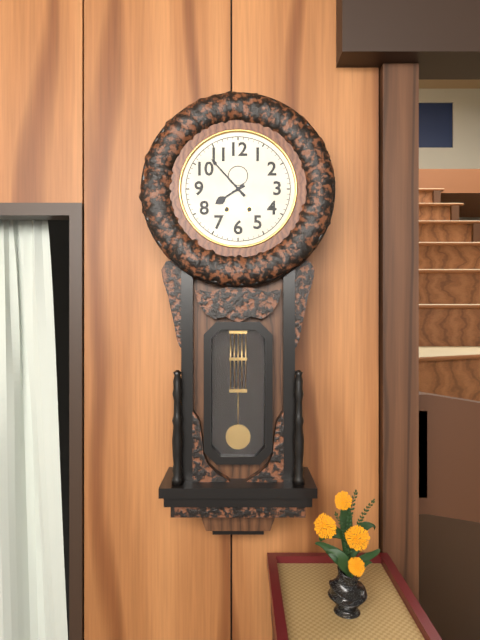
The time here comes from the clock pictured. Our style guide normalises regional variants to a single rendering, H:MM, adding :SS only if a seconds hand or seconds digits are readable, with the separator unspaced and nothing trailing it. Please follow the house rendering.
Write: 7:53
